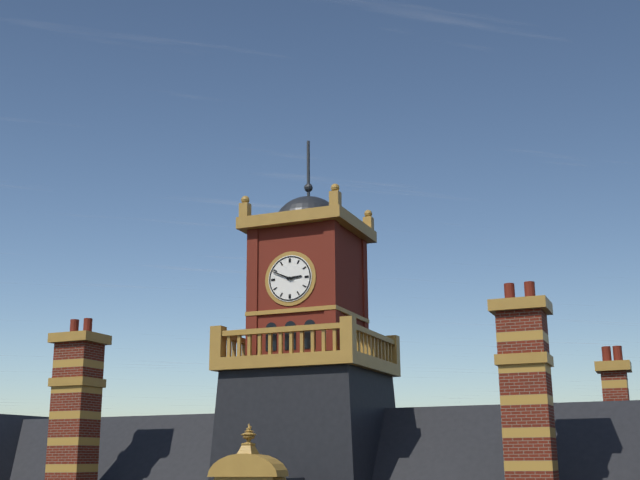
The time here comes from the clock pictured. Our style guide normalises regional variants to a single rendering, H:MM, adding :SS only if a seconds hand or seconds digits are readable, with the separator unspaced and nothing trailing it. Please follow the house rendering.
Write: 2:49
